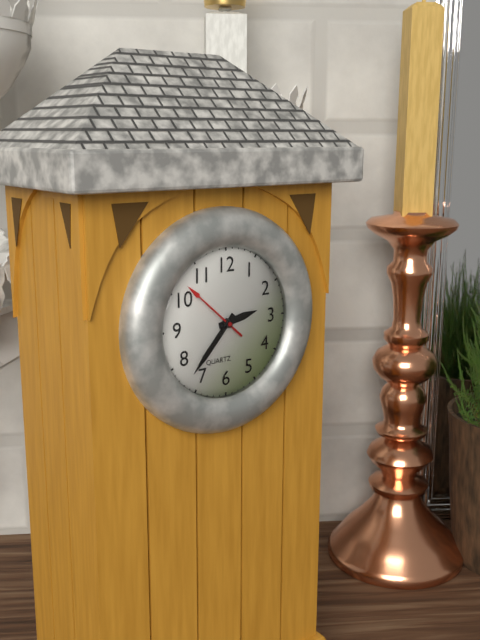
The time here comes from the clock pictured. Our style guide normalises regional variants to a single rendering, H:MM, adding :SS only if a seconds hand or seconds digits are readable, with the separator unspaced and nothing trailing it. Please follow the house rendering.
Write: 2:37:52
